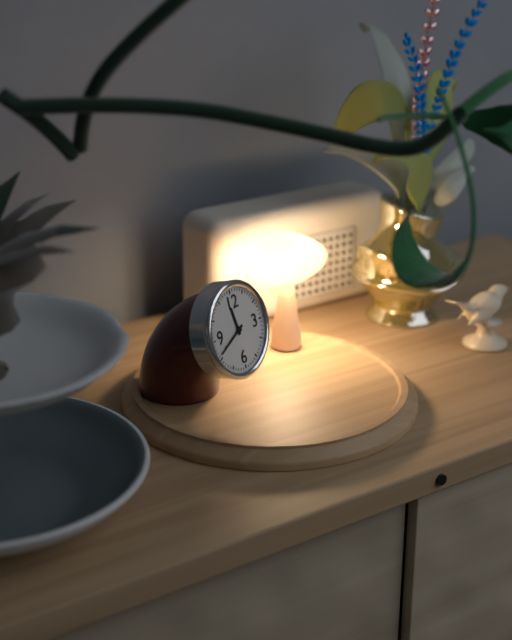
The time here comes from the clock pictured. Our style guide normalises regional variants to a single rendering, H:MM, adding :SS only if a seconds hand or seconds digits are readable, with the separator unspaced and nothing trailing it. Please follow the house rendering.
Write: 11:41
